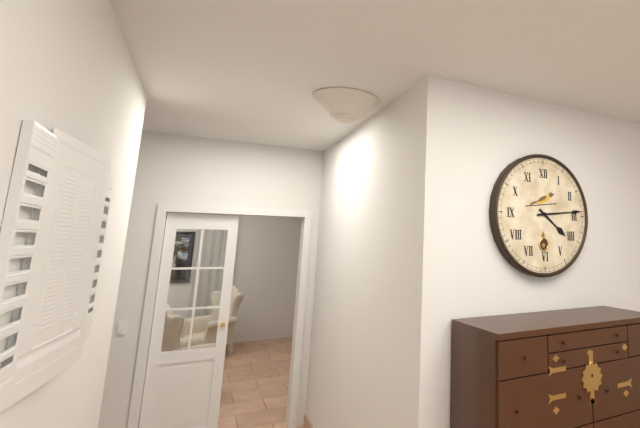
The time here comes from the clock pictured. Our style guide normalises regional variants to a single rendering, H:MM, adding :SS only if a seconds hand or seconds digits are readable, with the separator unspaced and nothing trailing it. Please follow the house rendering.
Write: 4:14
